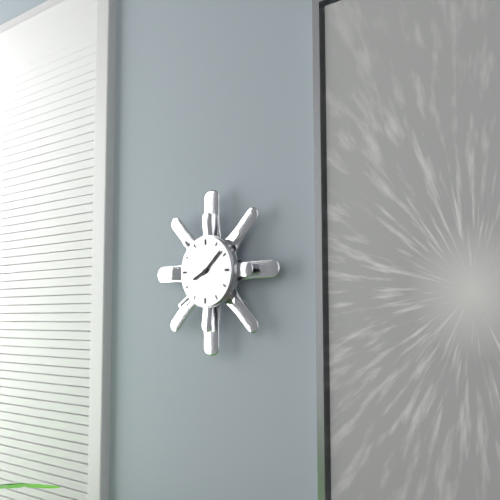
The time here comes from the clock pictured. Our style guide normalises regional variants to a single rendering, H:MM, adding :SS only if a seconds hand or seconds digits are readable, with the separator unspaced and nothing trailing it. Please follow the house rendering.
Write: 8:08
